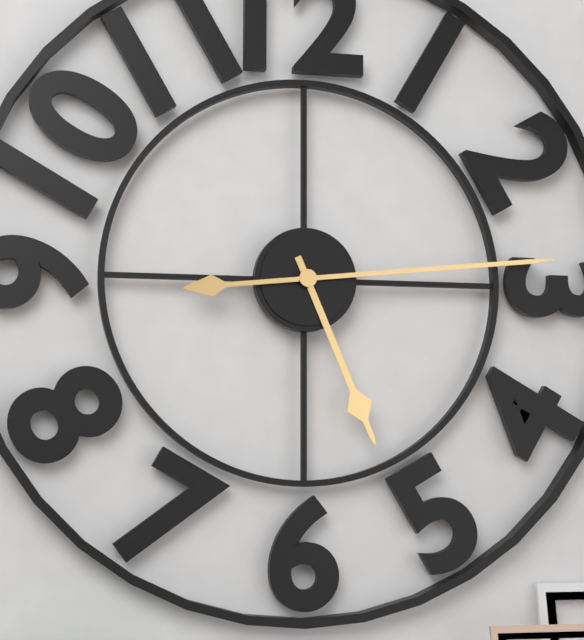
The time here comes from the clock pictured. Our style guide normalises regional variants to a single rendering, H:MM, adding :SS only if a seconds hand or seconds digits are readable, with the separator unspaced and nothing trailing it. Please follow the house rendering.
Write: 5:14
